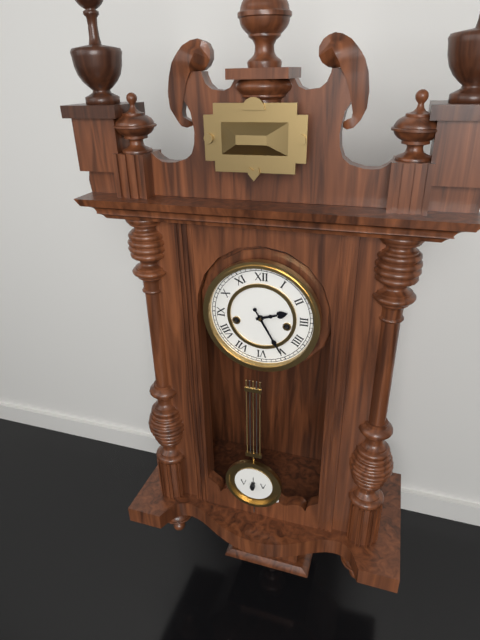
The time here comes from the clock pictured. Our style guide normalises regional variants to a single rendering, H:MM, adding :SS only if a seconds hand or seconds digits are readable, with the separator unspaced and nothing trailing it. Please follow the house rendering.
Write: 2:25
